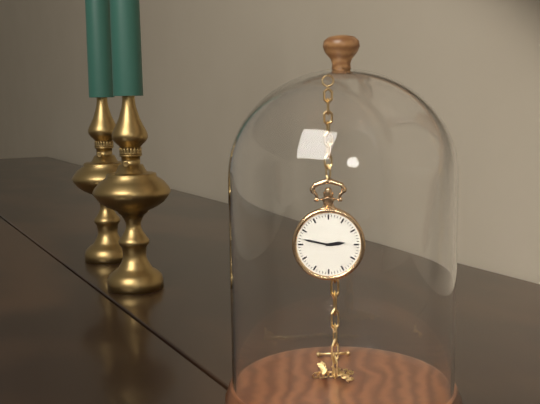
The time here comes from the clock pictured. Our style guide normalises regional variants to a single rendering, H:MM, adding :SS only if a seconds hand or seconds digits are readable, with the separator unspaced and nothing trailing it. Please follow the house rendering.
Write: 2:47
